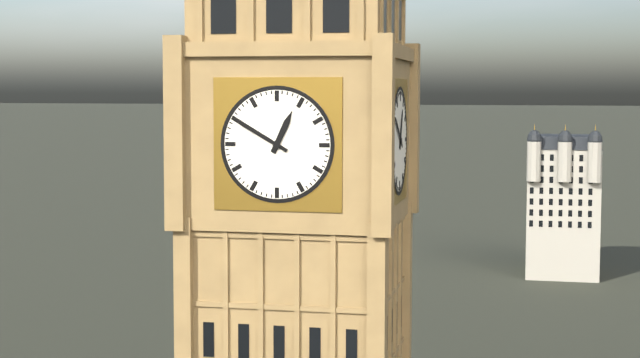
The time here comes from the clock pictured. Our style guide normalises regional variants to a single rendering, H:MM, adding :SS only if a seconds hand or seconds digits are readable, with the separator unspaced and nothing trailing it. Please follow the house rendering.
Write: 12:50
